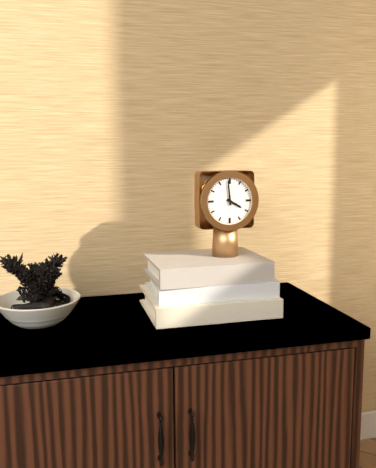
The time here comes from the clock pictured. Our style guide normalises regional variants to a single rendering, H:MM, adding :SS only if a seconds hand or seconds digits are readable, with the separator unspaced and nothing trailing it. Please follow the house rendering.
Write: 3:59
